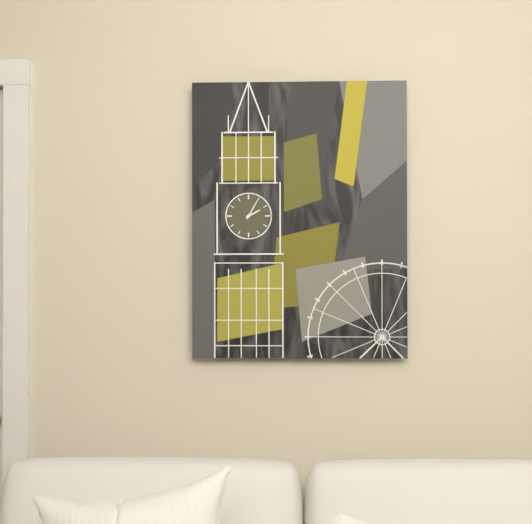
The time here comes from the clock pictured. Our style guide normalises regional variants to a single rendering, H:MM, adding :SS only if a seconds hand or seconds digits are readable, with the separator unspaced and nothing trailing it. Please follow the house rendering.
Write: 2:05
